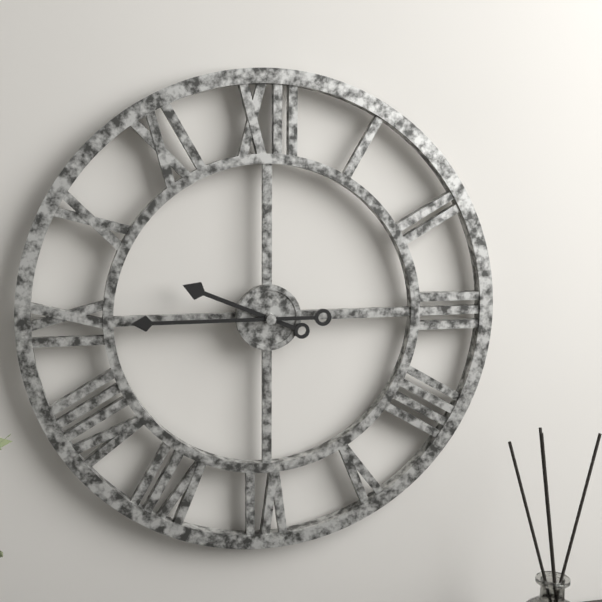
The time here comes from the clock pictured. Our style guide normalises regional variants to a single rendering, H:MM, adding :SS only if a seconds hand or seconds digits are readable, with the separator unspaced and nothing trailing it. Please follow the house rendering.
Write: 9:45
